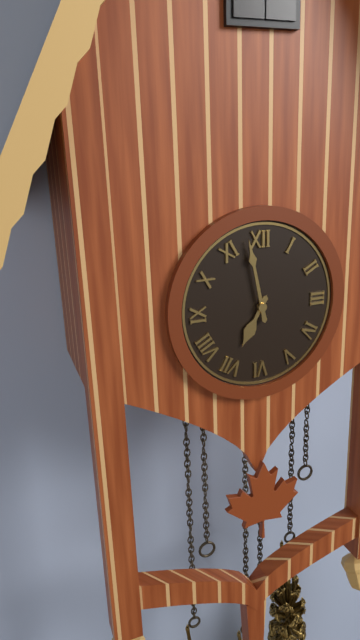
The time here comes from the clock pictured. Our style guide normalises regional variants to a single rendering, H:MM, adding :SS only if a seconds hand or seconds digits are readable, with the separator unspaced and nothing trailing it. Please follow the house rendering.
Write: 6:58
